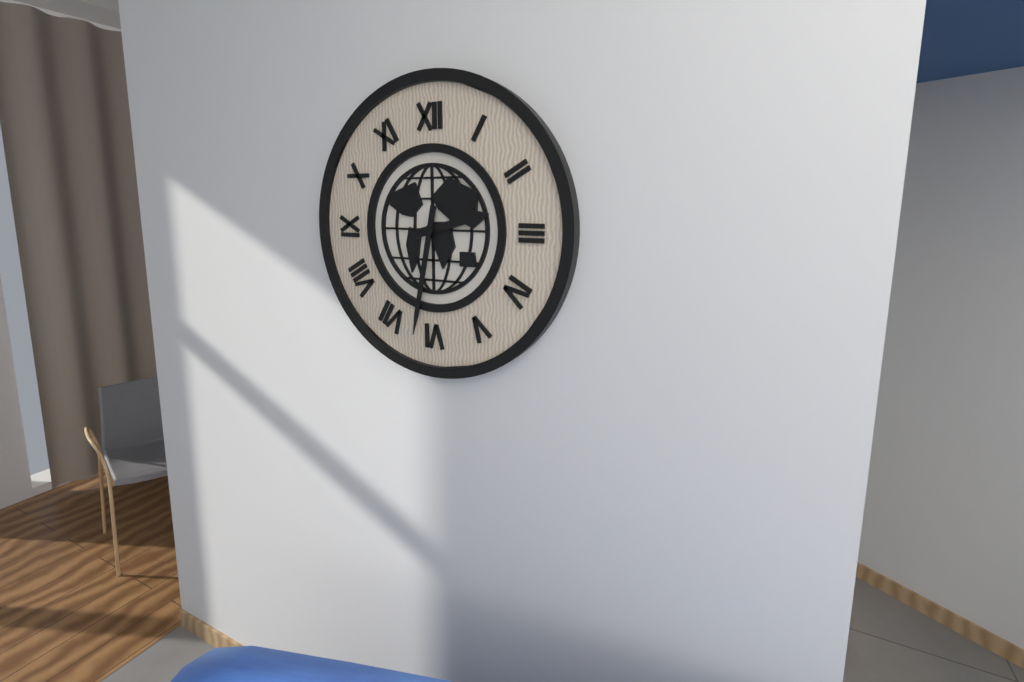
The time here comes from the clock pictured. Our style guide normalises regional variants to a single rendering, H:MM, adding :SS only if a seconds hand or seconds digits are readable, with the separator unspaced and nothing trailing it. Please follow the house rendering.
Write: 2:32
